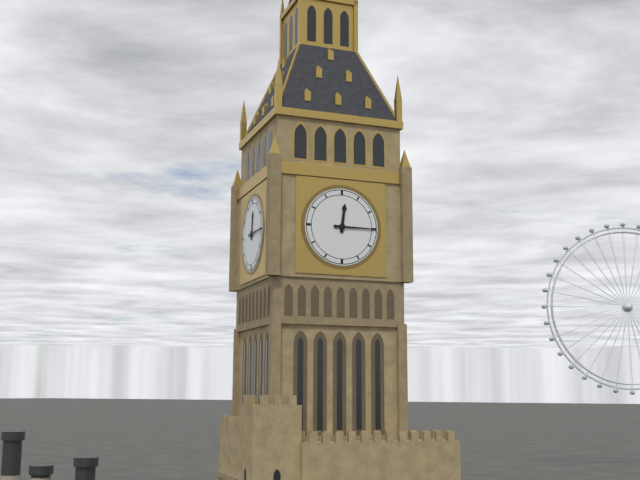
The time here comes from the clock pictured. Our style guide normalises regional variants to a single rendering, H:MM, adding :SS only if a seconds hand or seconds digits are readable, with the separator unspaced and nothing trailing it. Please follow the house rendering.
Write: 12:15
